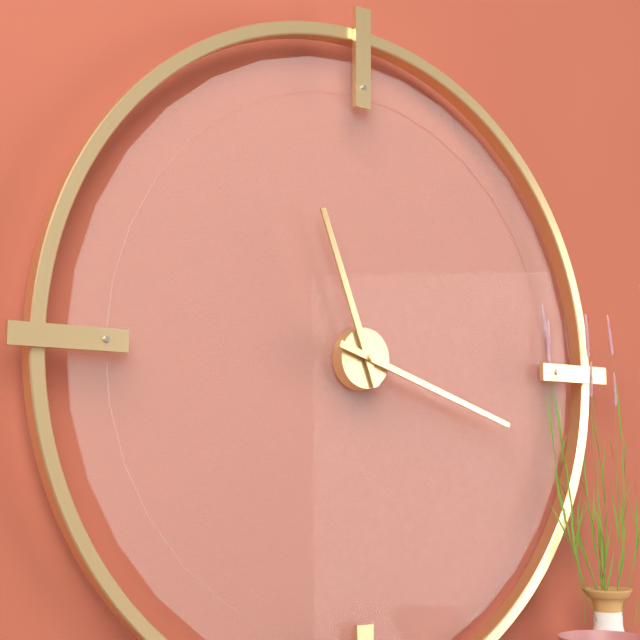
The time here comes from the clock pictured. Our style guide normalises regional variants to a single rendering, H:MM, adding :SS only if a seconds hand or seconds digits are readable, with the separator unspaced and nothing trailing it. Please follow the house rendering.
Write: 11:18
